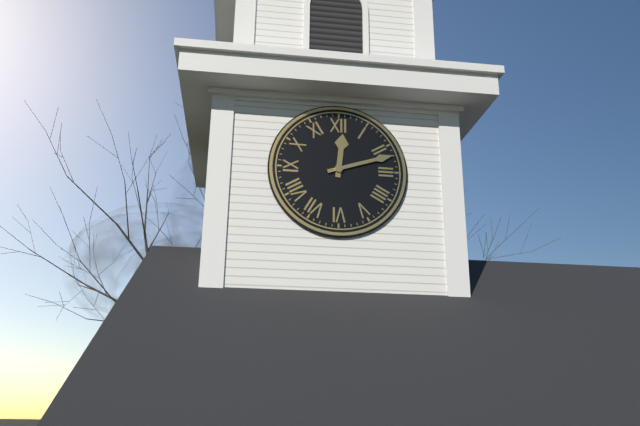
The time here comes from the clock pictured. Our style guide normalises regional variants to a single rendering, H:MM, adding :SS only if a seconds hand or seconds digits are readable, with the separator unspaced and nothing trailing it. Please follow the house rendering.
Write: 12:12
